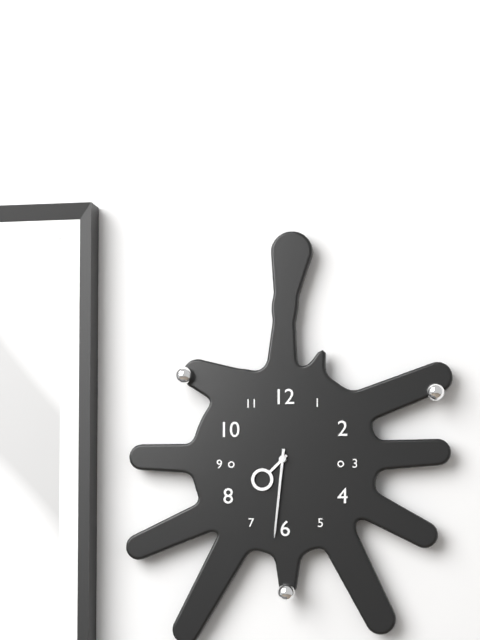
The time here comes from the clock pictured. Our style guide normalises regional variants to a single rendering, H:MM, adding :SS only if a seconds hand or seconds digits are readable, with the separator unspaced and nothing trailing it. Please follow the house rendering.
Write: 7:31
